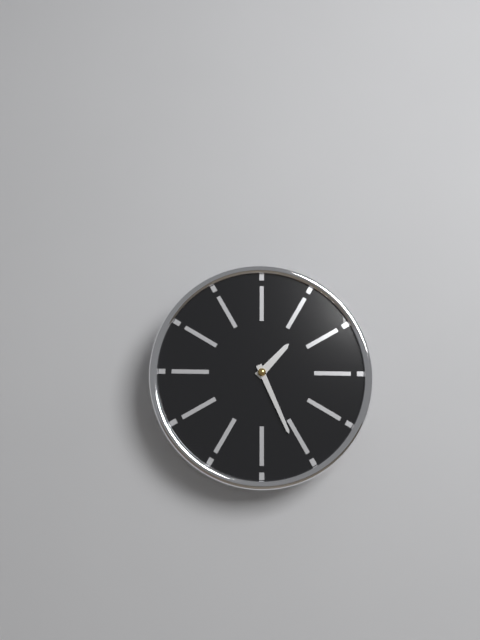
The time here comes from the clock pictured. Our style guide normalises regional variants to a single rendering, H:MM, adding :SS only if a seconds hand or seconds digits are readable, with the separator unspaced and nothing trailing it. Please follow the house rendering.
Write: 1:26
